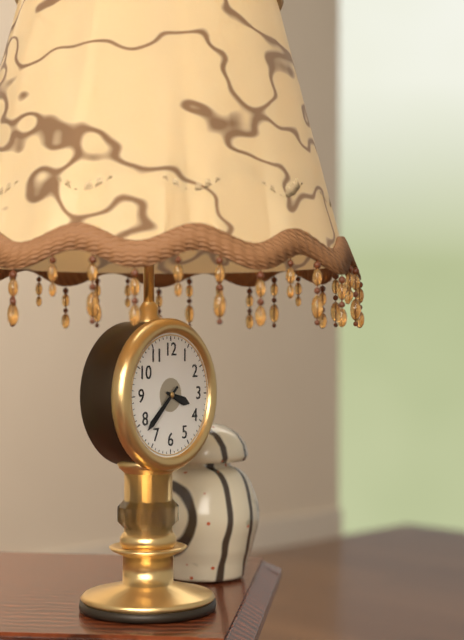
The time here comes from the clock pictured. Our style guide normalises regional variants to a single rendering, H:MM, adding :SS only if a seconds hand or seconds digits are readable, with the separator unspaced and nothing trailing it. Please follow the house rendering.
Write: 3:38
